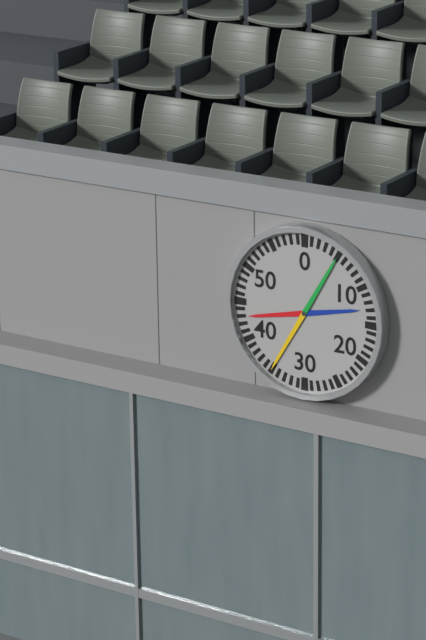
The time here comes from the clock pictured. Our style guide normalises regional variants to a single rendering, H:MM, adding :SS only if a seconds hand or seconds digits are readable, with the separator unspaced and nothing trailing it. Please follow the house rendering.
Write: 8:35
